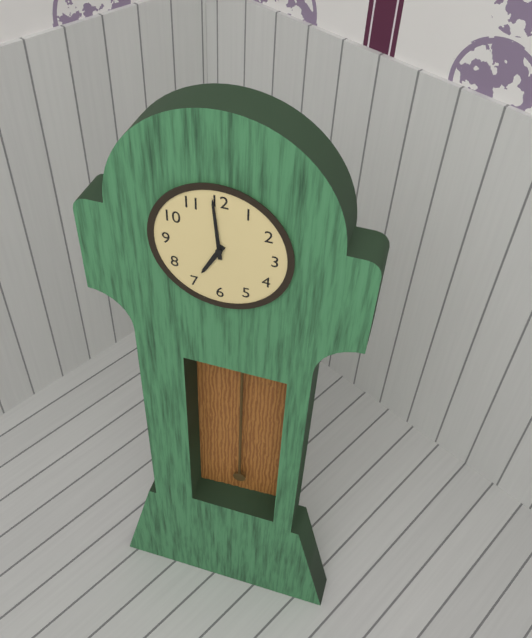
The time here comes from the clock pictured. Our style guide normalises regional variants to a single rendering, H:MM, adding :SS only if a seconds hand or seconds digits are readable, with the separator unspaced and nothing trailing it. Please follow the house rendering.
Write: 6:59
